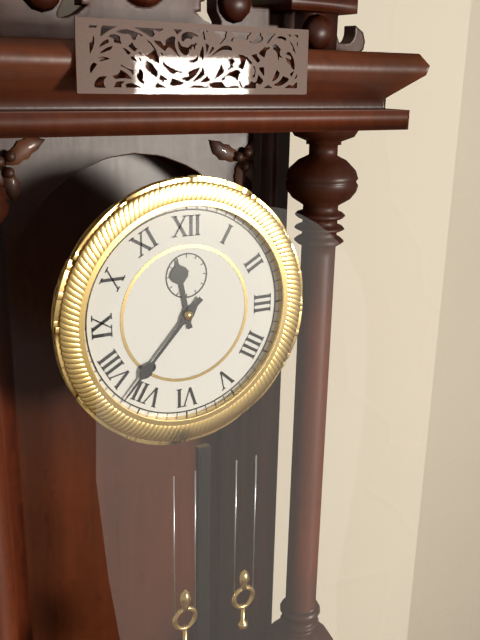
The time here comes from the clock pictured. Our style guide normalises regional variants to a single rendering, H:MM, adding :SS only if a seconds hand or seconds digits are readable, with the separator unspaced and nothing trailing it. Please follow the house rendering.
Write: 11:37
